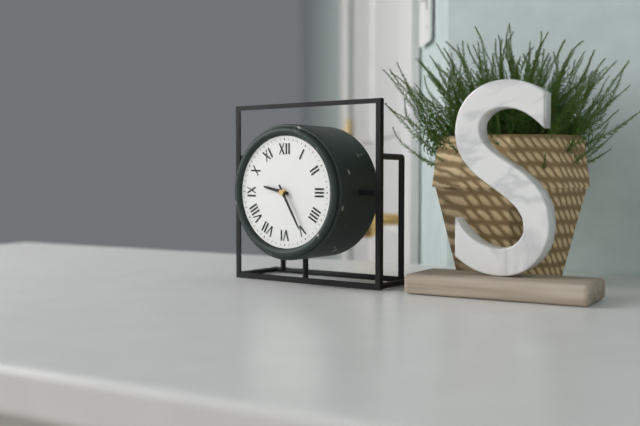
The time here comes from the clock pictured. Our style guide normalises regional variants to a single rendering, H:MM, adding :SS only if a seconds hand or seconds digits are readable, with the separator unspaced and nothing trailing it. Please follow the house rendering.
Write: 9:25
